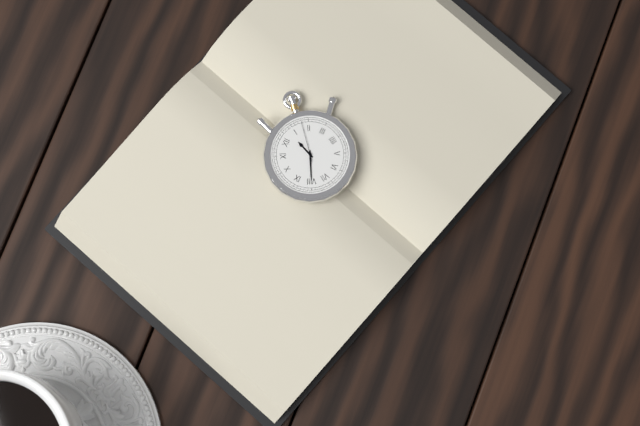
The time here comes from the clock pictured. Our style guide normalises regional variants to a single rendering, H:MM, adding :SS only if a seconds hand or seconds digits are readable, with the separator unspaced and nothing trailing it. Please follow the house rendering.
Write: 12:40
